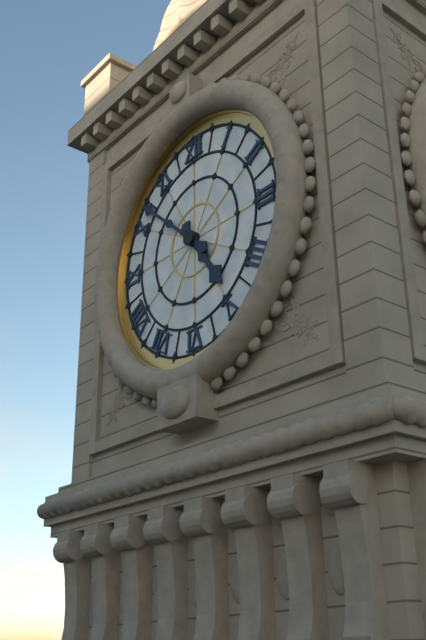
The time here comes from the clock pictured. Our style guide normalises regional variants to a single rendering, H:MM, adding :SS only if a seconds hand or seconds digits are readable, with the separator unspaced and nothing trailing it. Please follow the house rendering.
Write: 4:52
